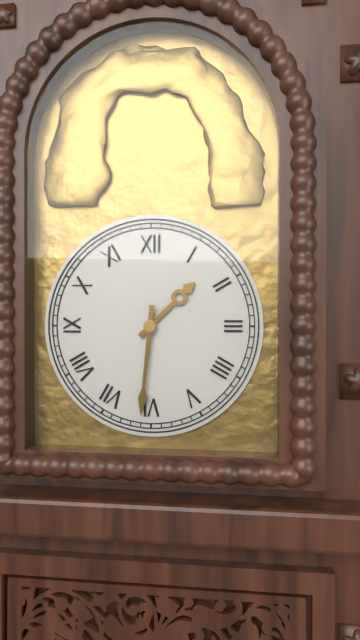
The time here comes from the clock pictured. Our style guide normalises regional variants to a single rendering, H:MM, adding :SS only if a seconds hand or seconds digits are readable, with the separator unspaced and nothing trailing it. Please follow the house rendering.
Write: 1:31
